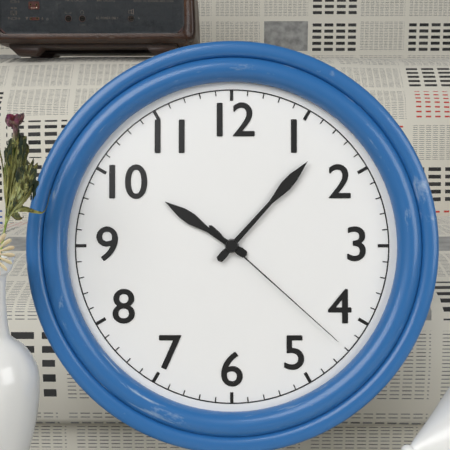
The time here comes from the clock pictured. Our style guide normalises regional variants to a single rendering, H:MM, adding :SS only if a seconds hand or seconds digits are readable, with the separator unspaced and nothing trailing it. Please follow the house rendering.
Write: 10:07:22
